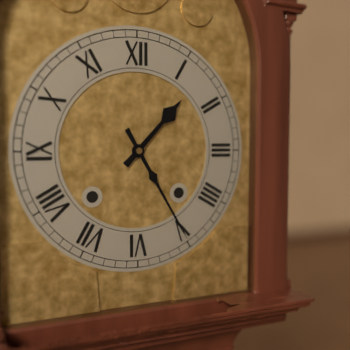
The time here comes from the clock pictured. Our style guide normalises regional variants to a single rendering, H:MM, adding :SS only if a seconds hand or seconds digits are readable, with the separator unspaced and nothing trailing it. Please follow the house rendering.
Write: 1:25
